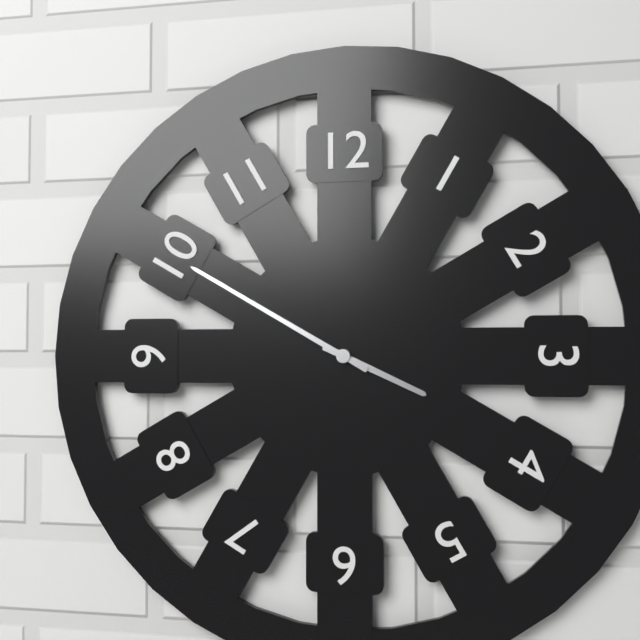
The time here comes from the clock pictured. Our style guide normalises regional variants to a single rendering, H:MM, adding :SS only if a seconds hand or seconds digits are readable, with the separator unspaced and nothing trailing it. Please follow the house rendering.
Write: 3:50
